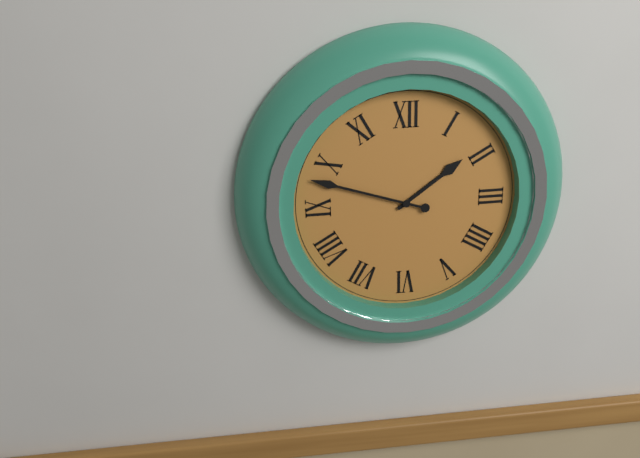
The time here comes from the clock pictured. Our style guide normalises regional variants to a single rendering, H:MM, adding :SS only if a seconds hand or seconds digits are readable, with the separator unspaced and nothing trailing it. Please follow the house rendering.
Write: 1:48
